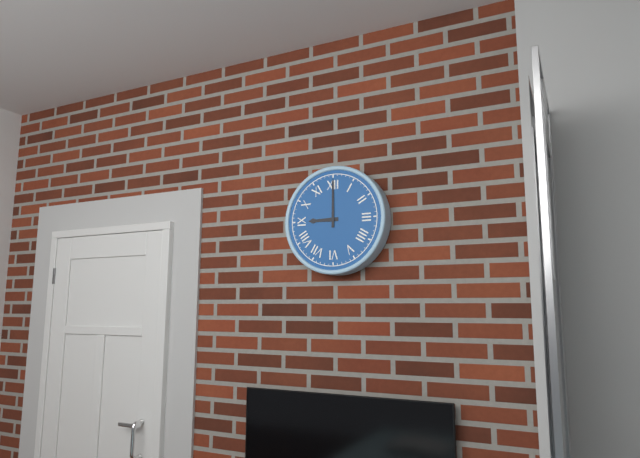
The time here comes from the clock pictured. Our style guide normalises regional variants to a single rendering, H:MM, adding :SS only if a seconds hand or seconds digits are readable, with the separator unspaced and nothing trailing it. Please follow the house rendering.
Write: 9:00
